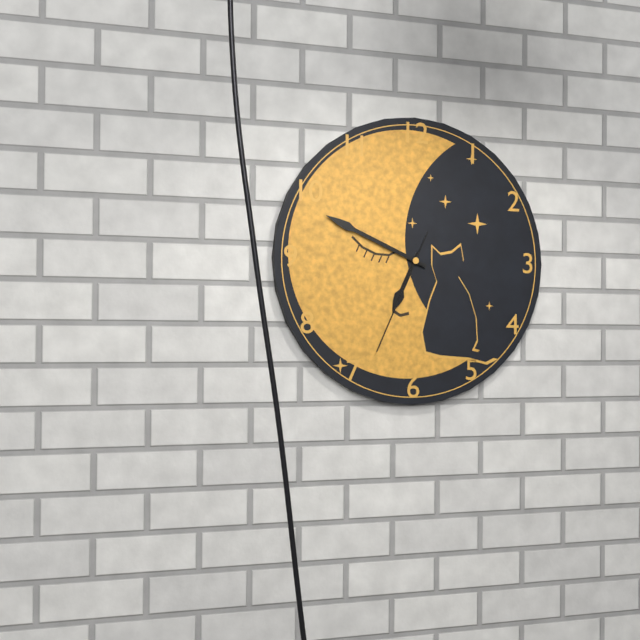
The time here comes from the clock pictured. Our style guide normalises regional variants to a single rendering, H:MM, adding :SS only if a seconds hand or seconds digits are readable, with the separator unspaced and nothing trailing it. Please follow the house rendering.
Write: 6:49:34
